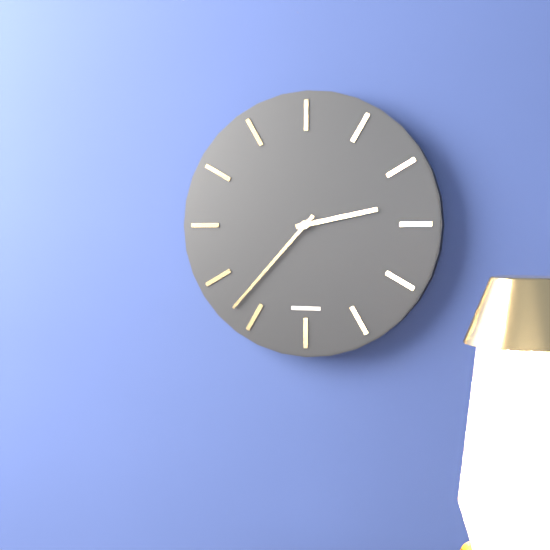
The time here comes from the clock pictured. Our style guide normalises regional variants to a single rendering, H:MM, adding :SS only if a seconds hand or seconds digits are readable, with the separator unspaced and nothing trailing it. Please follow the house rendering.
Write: 2:37
